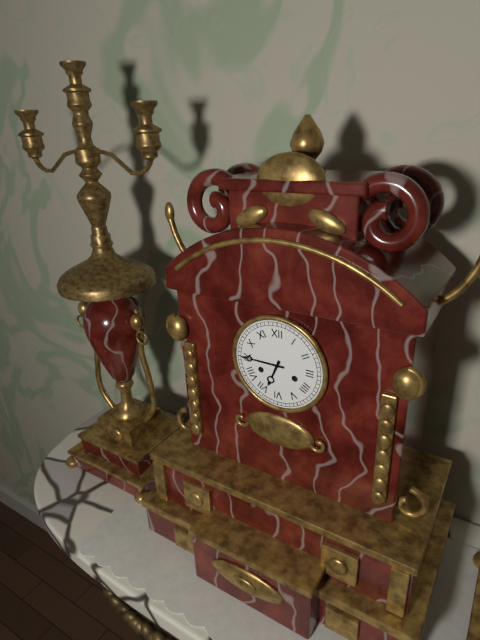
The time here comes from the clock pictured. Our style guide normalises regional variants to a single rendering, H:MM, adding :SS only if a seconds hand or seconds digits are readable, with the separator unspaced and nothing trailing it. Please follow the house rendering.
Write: 6:45
